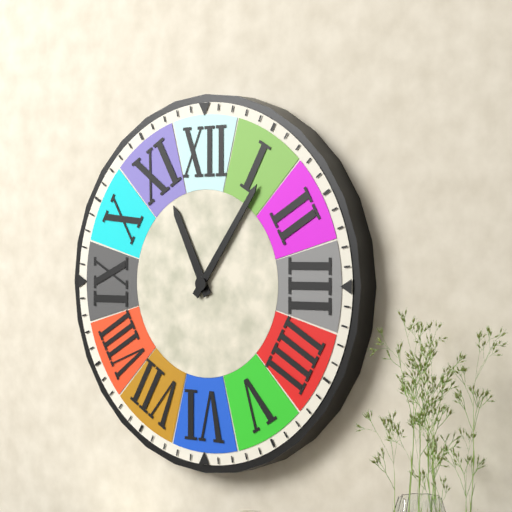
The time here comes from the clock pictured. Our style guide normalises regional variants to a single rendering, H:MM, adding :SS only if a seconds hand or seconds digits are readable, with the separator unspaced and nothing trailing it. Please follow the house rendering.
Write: 11:06
